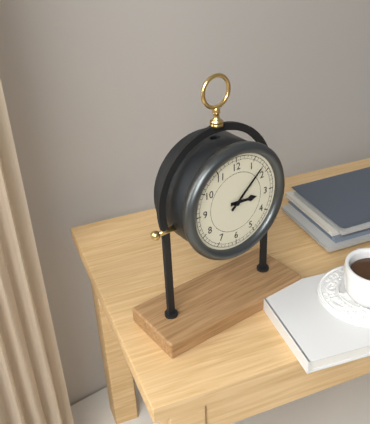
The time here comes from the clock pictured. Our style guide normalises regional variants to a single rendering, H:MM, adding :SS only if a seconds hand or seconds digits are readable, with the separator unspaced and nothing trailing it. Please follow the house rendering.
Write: 3:08
